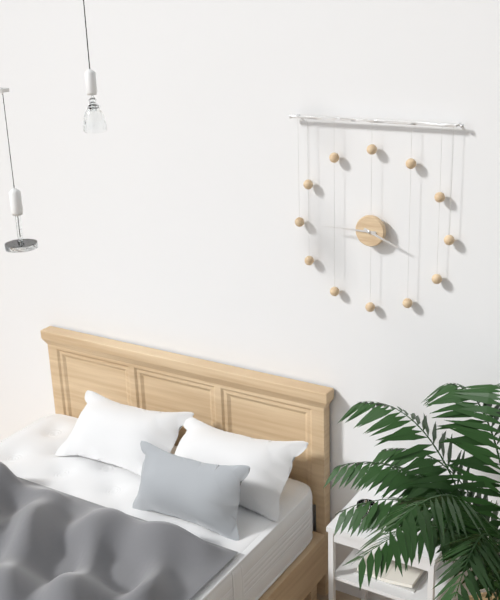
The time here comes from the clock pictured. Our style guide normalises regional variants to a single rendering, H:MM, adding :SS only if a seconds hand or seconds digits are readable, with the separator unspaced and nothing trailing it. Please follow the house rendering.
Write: 3:45
